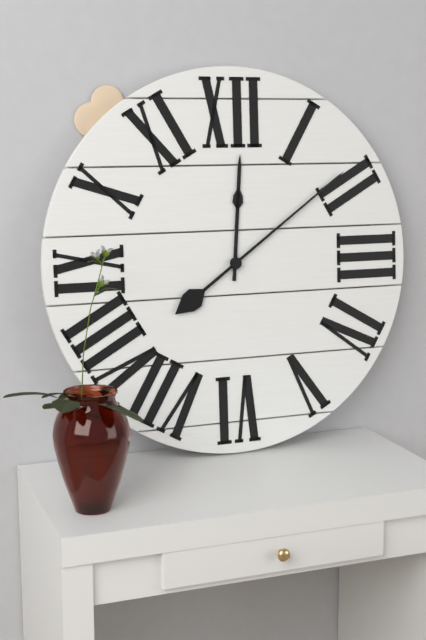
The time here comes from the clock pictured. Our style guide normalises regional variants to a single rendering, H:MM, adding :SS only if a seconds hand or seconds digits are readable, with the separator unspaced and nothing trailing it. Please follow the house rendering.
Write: 12:09
